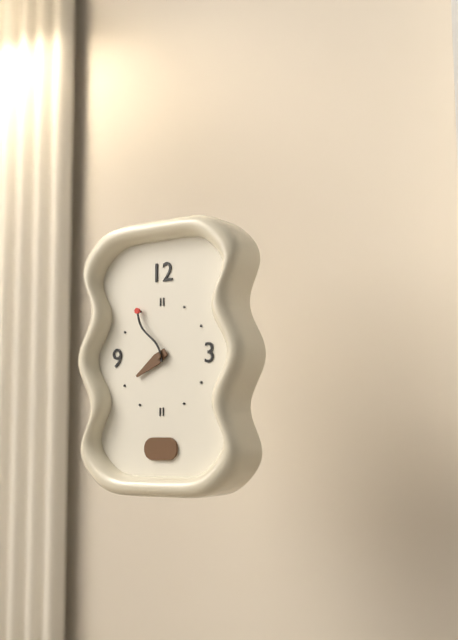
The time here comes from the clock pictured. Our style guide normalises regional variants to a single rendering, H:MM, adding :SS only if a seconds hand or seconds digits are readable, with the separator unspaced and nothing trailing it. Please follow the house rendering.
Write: 7:55
